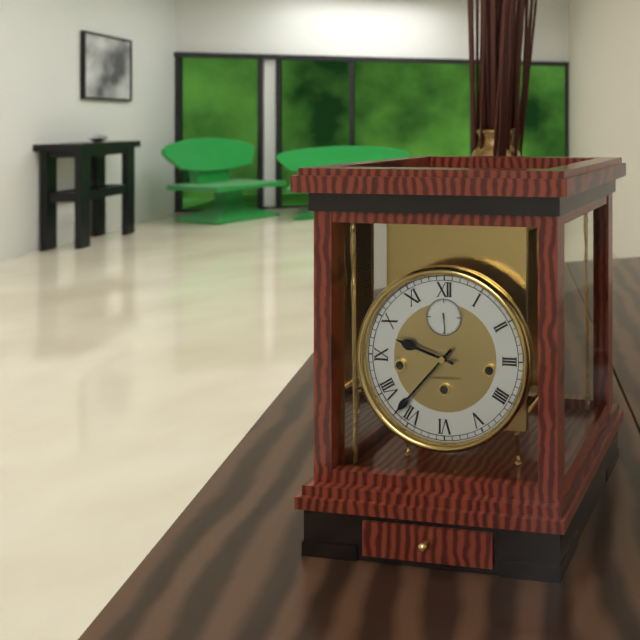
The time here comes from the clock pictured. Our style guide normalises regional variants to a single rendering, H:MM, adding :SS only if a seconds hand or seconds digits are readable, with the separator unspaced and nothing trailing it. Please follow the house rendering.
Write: 9:37
